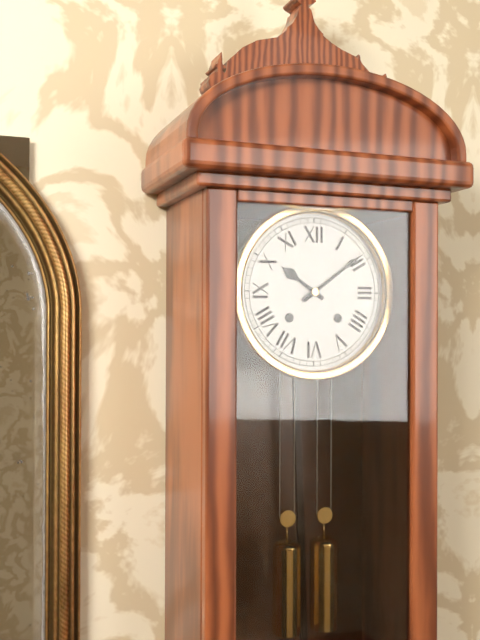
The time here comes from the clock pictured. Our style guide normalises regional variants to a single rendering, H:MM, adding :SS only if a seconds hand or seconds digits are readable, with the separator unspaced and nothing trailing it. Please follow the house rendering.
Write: 10:09
